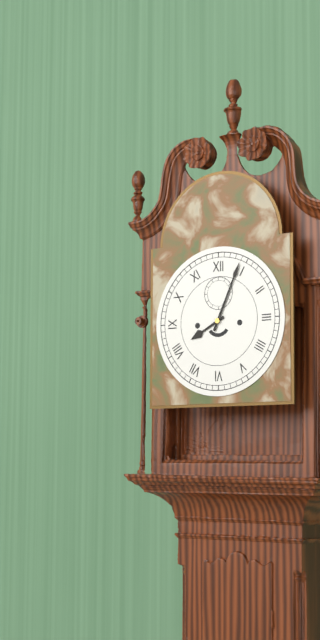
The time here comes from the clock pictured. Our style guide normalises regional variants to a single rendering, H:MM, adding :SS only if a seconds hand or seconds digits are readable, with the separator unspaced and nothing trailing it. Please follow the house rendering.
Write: 8:04
